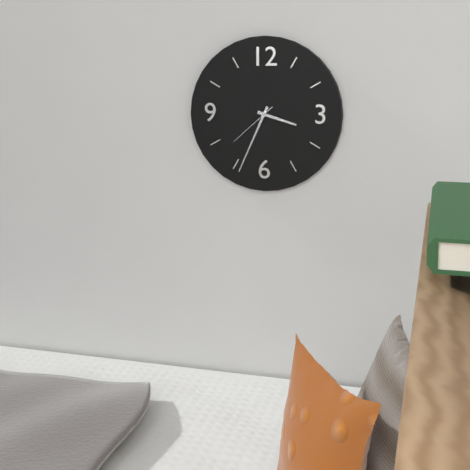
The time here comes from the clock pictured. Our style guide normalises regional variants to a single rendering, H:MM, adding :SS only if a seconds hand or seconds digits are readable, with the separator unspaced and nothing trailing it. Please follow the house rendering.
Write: 3:34:38
